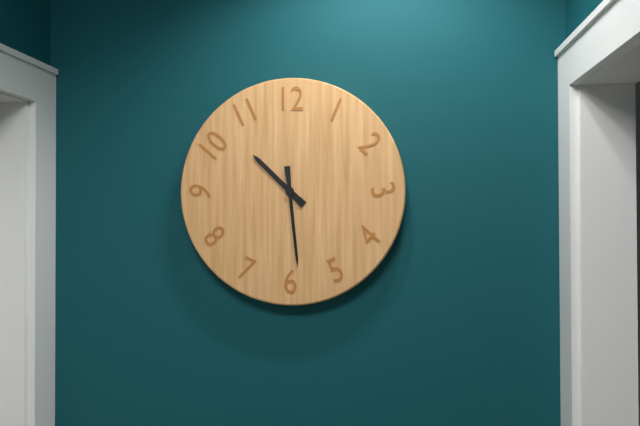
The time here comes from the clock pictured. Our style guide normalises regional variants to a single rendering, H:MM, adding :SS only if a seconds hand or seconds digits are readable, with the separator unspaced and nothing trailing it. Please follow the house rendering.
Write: 10:29
